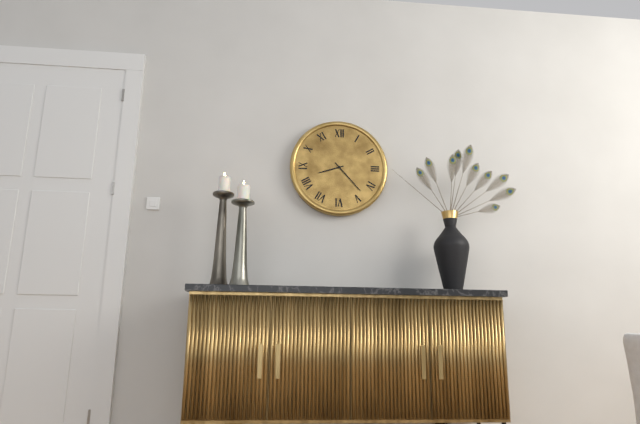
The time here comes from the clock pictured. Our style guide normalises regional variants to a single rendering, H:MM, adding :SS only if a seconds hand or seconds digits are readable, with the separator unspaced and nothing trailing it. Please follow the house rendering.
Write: 8:23
